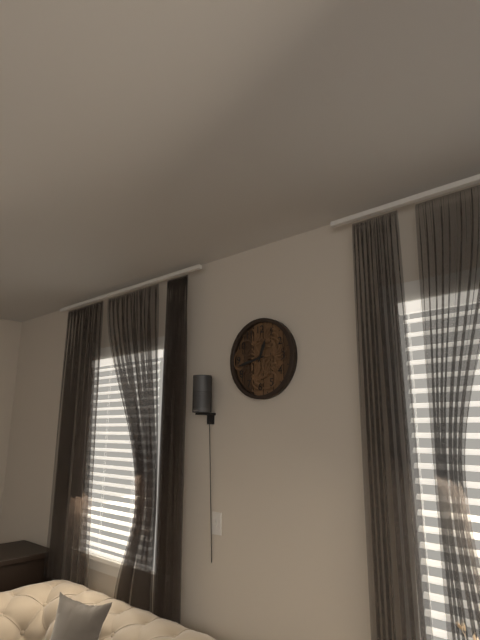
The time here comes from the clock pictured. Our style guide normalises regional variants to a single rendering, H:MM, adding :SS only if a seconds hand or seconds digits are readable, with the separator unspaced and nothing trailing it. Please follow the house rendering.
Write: 12:43
